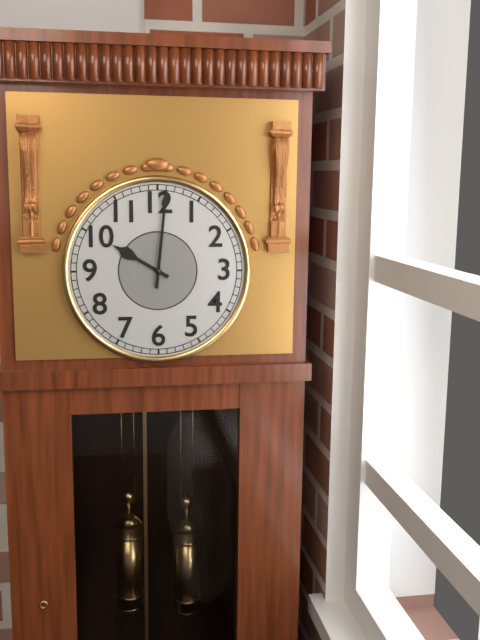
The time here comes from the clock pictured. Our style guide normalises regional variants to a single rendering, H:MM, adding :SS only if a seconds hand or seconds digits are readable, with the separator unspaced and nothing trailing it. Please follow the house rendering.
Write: 10:01
